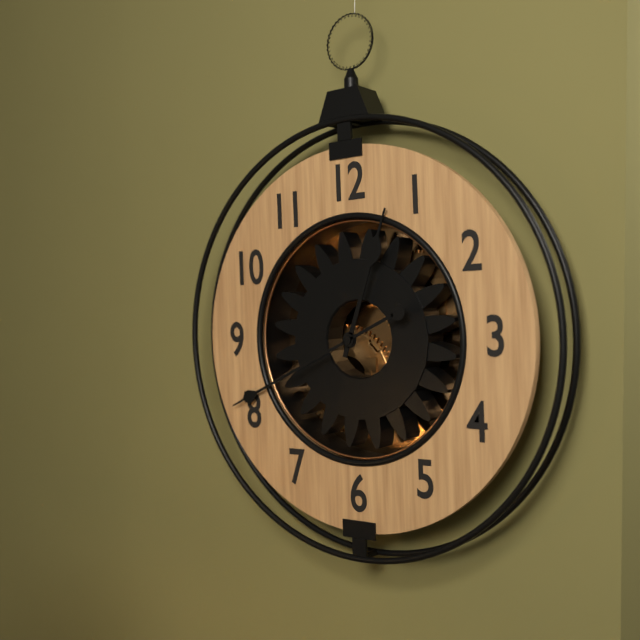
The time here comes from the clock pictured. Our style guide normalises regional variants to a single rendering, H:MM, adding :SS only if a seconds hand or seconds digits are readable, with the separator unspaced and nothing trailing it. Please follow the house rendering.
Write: 12:41
